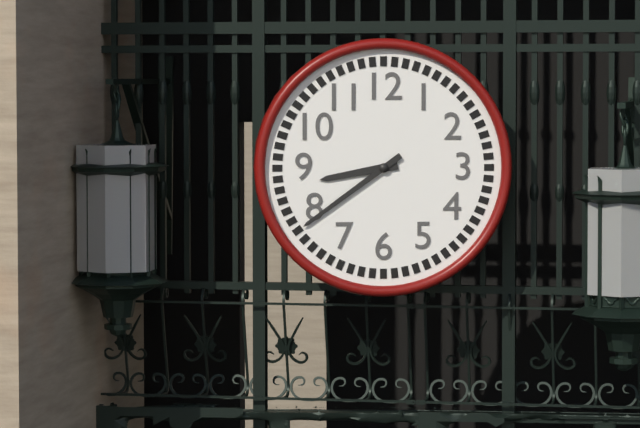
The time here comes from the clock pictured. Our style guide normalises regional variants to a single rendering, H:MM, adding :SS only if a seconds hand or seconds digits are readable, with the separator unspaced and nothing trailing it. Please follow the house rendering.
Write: 8:39
